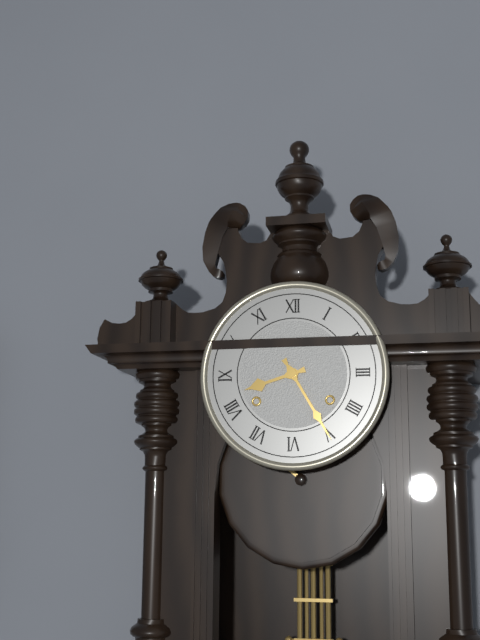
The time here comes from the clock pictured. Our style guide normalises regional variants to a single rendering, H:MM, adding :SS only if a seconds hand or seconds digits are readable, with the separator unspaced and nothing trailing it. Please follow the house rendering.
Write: 8:25
